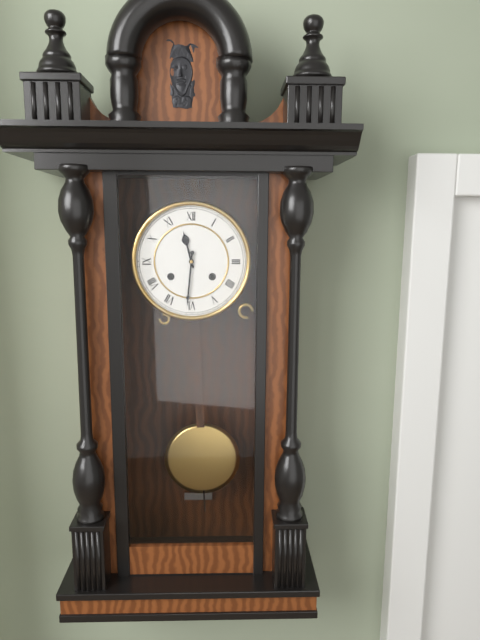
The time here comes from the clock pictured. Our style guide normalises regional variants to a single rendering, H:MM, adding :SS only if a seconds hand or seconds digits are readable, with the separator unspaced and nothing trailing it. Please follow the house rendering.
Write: 11:31
